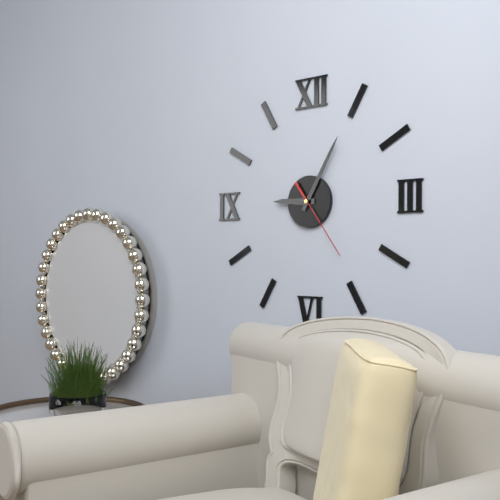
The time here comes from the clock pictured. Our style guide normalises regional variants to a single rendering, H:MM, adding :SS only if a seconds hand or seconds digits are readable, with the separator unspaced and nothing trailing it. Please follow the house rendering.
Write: 9:05:24
